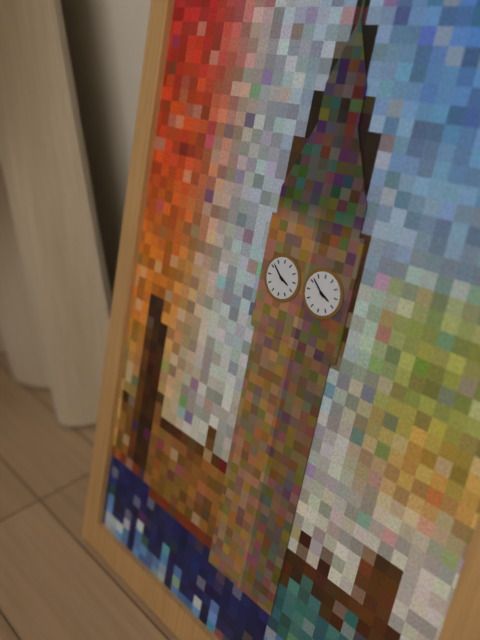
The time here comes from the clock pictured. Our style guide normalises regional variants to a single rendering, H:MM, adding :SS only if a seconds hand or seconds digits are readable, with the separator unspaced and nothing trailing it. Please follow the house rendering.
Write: 3:52
